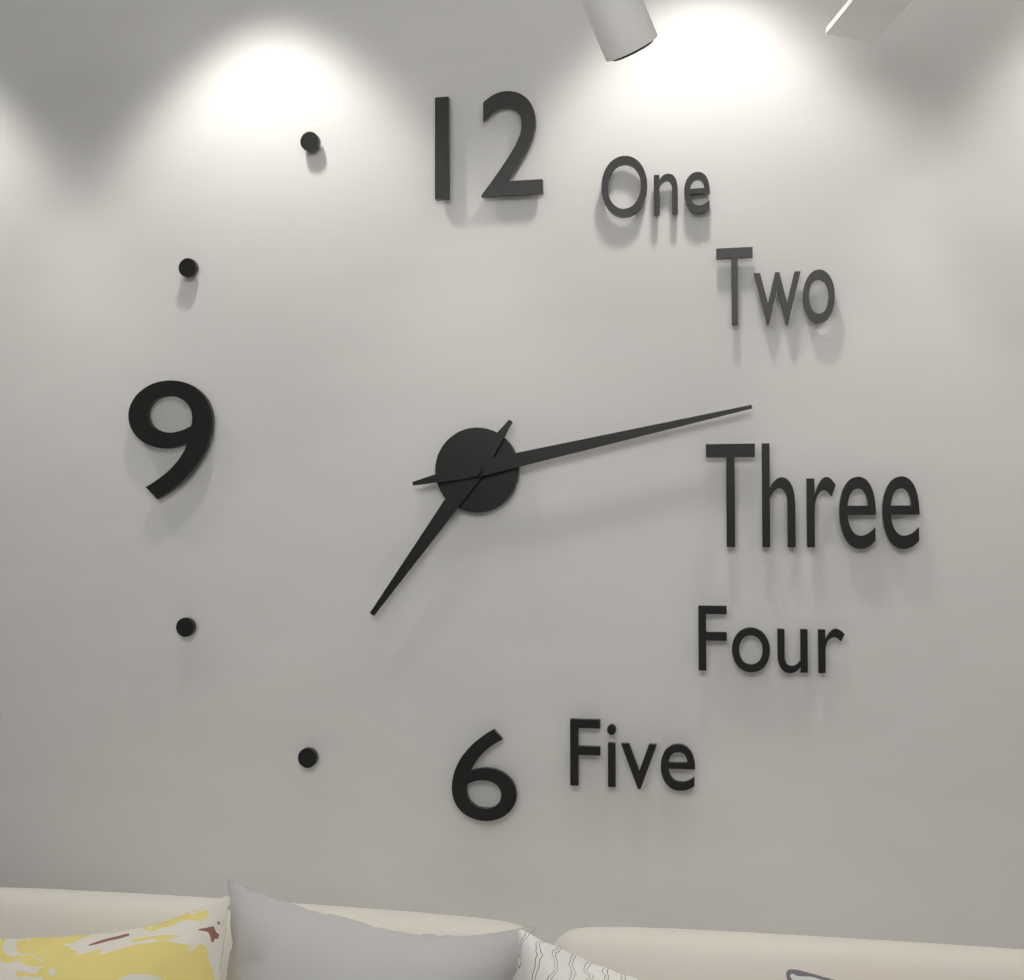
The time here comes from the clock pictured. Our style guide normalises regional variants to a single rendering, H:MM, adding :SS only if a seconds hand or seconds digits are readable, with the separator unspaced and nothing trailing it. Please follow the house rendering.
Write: 7:13
